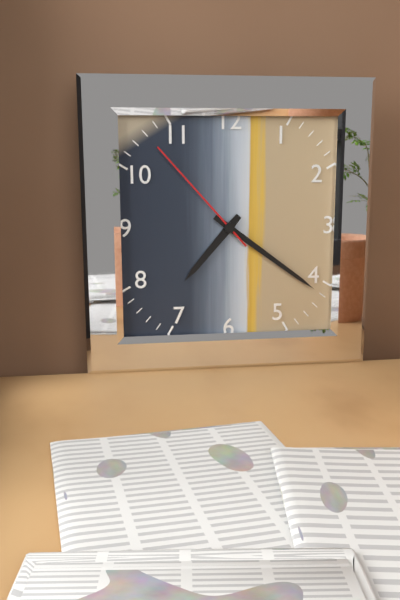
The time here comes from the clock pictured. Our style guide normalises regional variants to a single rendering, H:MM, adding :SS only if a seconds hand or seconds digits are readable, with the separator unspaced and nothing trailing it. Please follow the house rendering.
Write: 7:21:53
